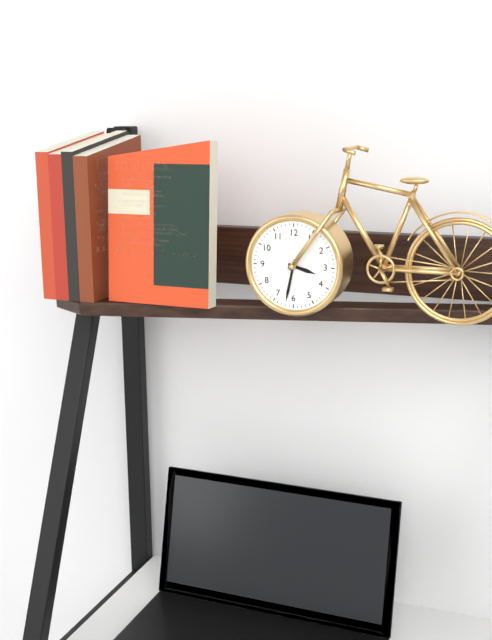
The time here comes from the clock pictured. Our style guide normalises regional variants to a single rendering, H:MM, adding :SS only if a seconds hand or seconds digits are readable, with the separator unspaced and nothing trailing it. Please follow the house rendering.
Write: 3:32
